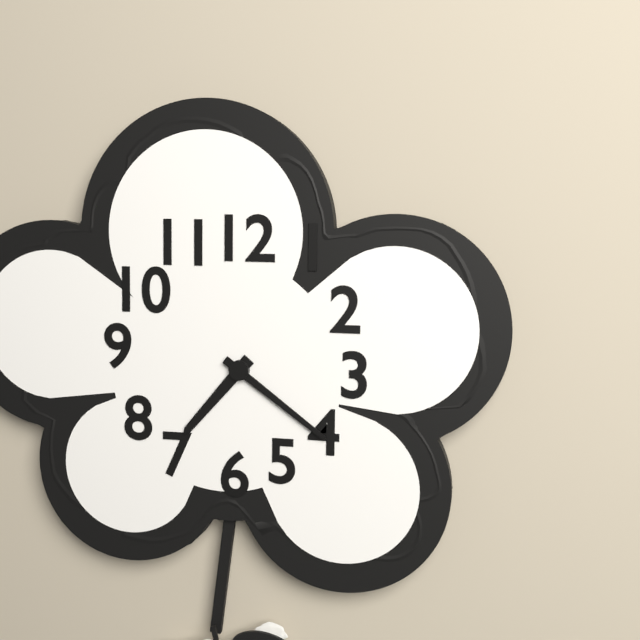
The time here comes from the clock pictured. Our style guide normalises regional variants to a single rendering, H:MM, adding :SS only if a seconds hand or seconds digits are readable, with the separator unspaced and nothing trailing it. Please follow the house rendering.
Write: 7:21
